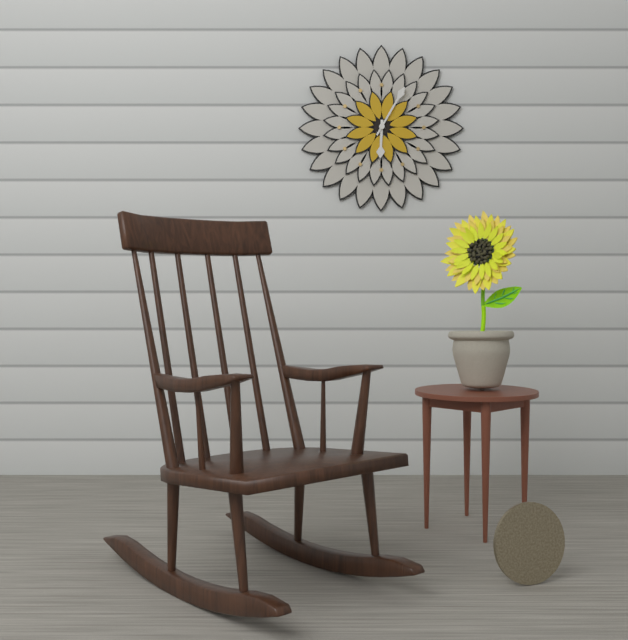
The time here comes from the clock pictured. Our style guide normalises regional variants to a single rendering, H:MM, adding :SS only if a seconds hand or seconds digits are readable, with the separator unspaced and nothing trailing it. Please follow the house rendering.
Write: 6:05
